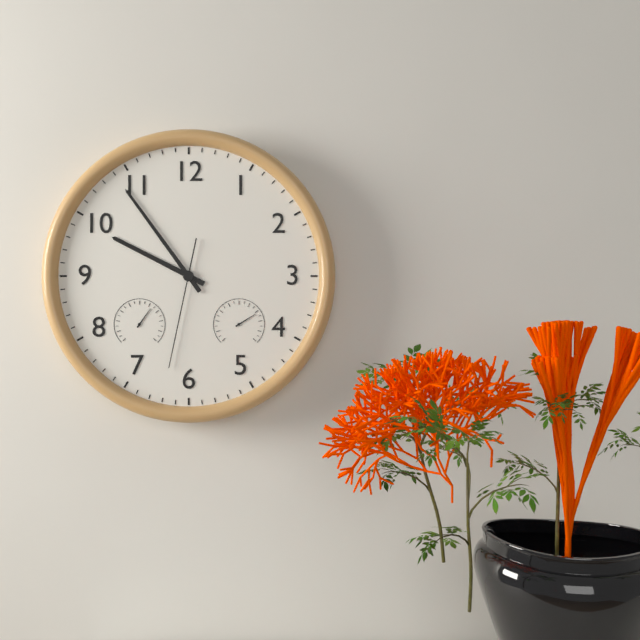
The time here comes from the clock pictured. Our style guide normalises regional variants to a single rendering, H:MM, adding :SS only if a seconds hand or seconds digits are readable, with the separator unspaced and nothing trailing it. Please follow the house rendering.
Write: 9:54:32
